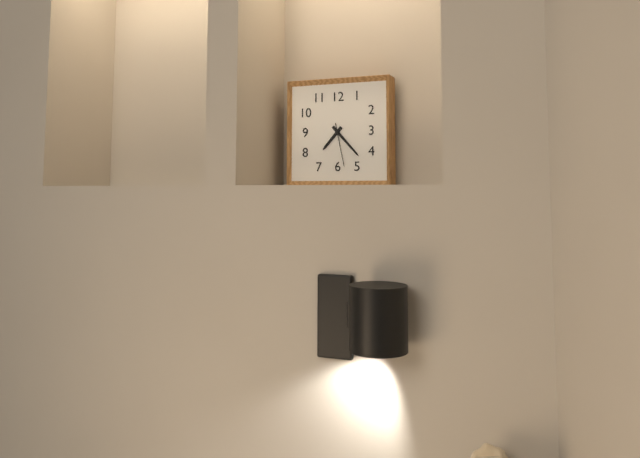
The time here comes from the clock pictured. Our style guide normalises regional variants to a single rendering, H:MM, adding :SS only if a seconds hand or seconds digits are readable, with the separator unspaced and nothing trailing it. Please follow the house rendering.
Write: 7:23
